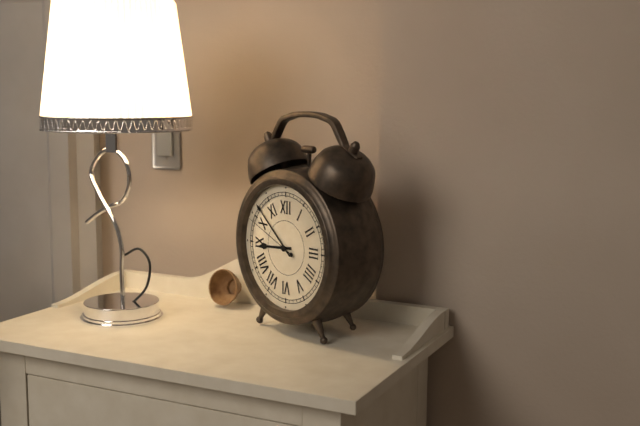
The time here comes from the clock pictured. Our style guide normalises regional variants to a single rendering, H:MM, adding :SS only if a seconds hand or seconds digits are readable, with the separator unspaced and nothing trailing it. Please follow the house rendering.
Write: 8:52:49
